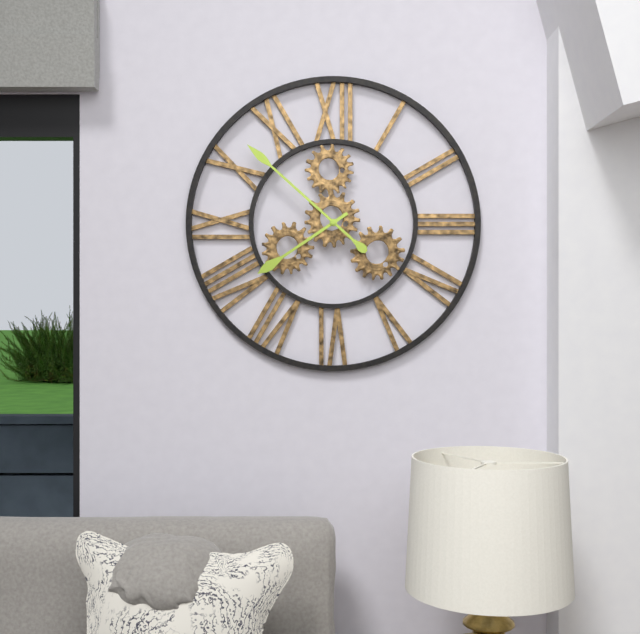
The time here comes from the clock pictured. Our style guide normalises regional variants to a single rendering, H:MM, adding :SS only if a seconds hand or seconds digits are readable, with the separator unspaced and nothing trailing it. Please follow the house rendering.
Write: 7:52
